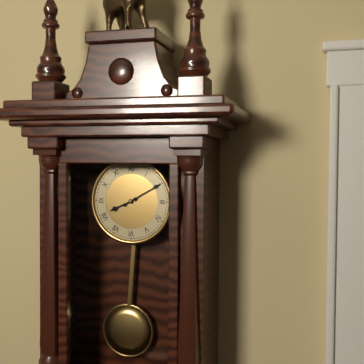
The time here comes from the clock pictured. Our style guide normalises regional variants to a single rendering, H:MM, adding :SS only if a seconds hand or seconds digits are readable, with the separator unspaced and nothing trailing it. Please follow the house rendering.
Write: 8:10
